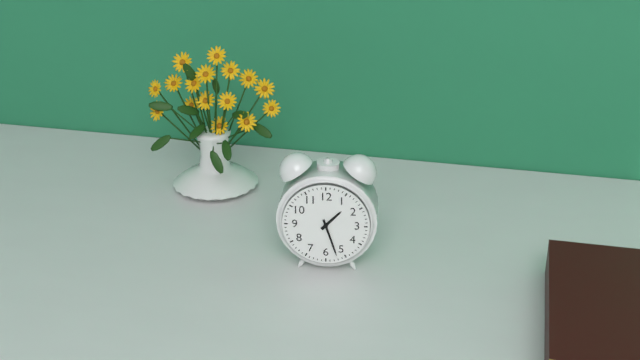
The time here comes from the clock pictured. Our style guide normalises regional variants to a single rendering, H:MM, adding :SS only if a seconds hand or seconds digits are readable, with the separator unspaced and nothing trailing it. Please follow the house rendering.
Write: 1:27
